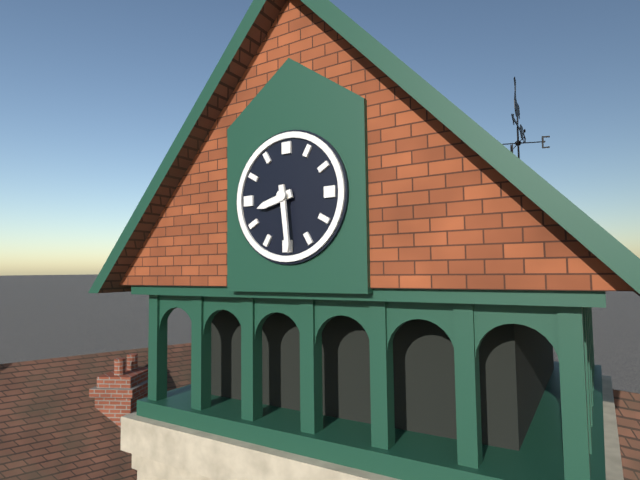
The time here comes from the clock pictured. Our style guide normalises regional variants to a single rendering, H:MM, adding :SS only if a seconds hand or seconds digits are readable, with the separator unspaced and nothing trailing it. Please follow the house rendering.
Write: 8:29
